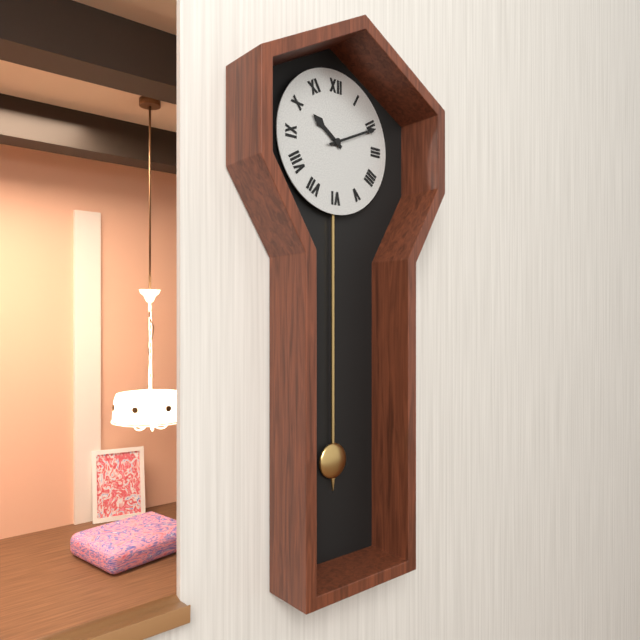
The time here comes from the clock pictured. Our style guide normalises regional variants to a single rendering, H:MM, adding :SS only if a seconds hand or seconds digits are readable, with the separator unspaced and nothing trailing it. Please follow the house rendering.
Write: 10:11
